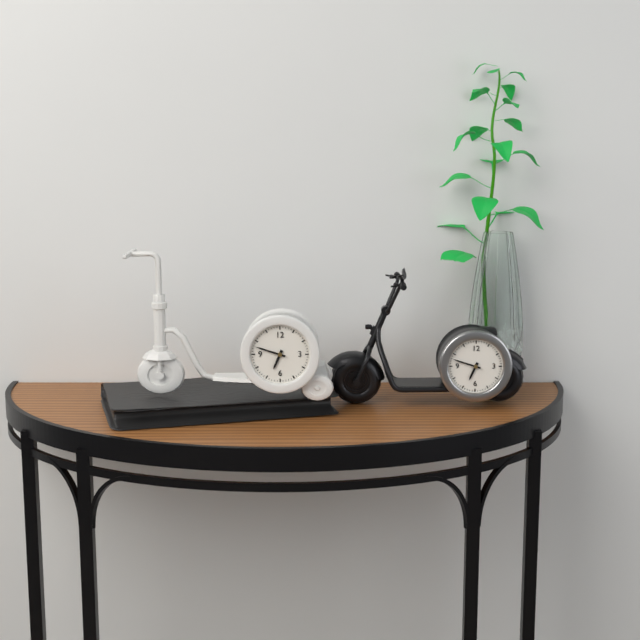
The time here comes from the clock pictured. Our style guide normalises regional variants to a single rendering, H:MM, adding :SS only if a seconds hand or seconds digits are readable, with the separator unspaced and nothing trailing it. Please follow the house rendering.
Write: 6:48
